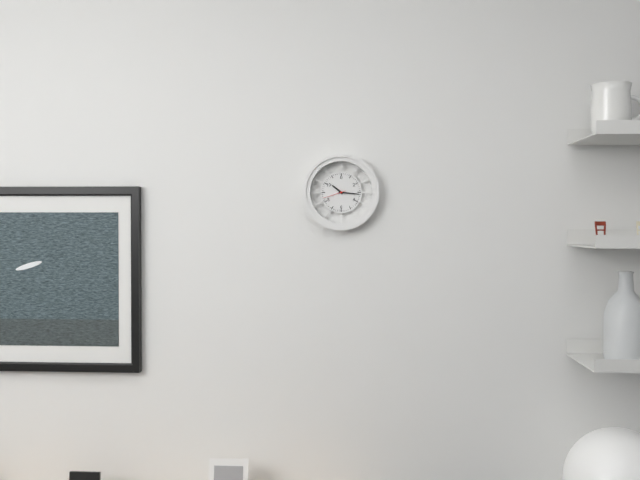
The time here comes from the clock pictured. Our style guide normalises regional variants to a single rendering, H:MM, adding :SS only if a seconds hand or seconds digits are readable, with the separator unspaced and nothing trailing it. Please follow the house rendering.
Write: 10:16
